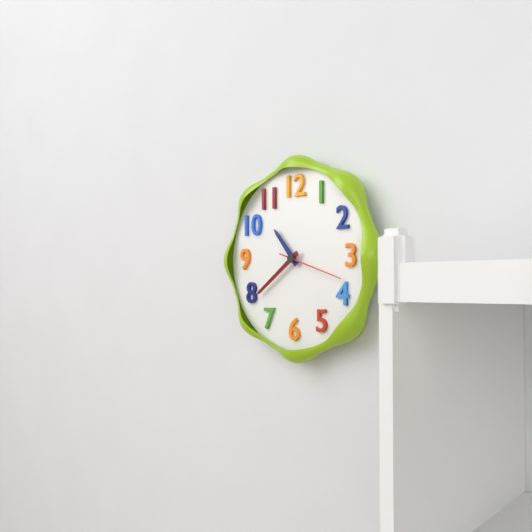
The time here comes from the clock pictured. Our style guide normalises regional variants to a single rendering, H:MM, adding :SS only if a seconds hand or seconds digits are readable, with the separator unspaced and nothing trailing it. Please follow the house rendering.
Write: 10:39:18
